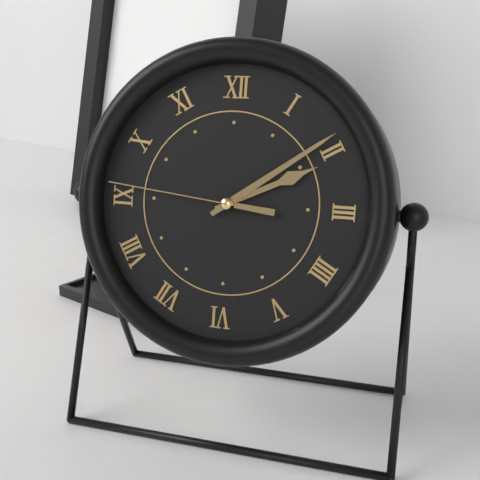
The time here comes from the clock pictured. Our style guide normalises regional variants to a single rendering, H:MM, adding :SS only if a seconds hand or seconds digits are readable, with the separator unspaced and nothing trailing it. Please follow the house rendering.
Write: 2:09:46
